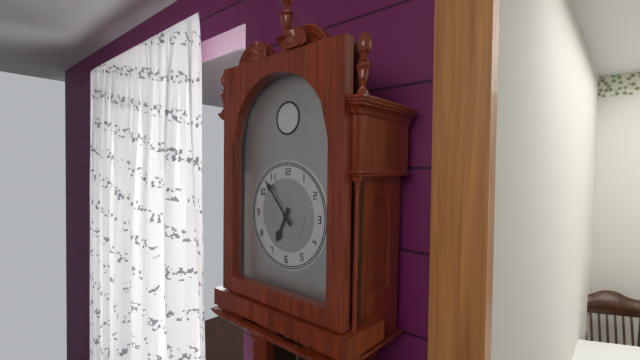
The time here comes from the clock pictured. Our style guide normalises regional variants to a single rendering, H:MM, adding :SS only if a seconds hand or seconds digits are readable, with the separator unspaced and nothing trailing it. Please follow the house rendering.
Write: 6:53
